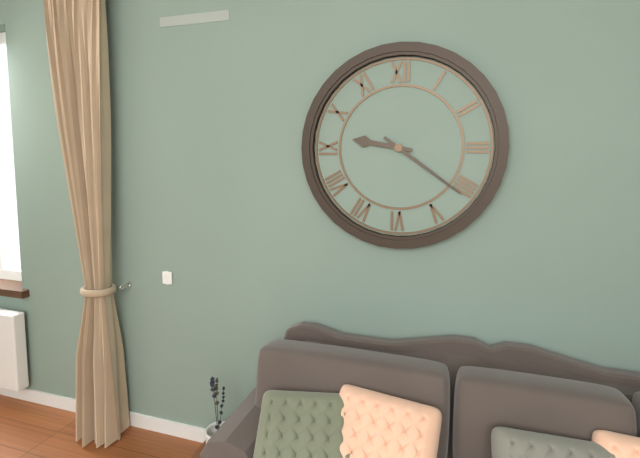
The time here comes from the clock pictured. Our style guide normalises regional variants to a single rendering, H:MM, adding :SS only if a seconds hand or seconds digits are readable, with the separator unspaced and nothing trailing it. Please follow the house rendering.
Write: 9:21
